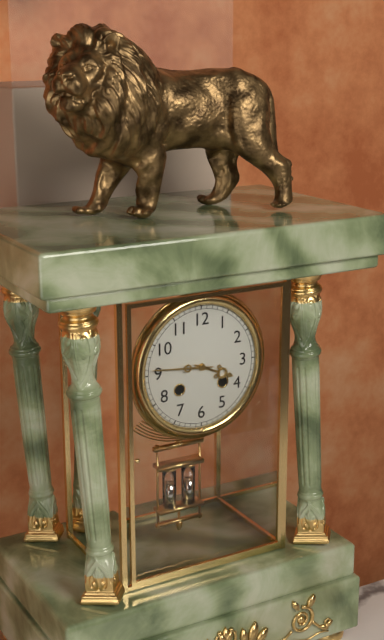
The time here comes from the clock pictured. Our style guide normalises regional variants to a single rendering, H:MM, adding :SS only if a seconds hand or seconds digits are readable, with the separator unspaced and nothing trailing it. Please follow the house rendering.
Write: 3:46
